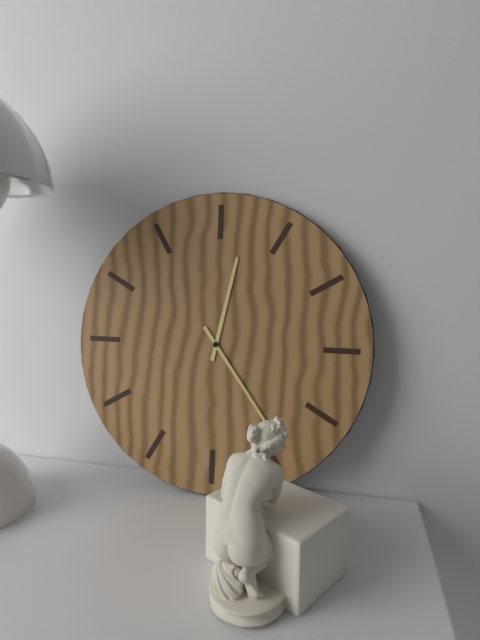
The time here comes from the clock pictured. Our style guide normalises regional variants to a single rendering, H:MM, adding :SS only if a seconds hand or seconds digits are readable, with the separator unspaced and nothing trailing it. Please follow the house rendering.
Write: 12:24
